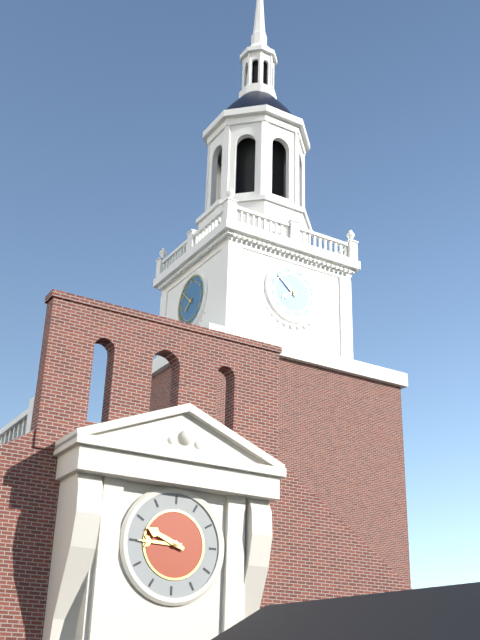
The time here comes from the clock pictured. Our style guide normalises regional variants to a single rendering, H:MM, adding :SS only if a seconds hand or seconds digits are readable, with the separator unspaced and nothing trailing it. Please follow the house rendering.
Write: 7:52
